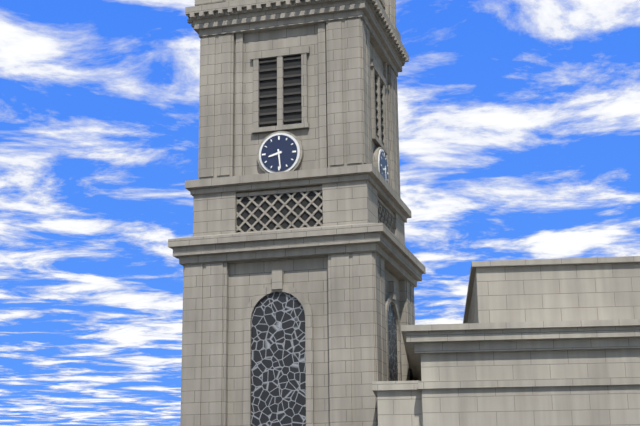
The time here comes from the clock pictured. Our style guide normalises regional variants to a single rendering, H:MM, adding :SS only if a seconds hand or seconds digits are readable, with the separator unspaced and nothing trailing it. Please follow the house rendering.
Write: 8:29
